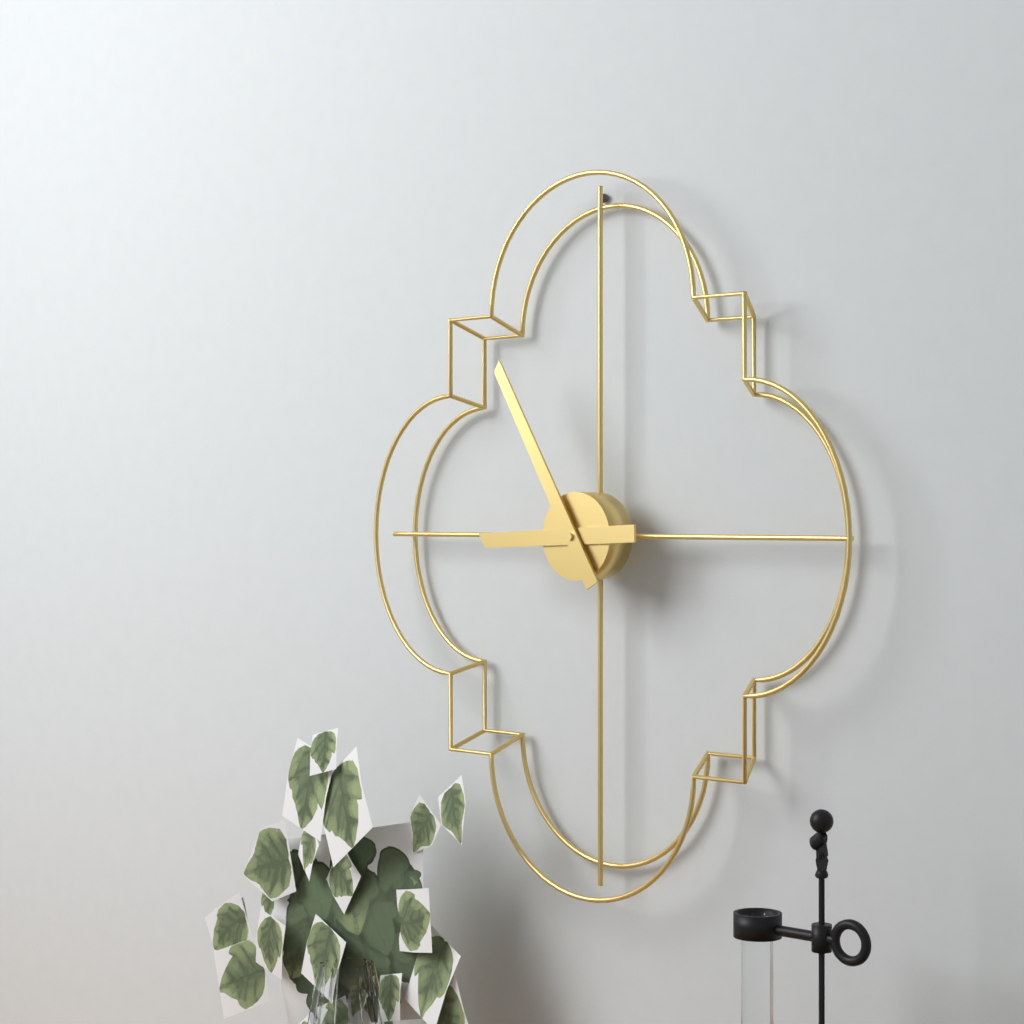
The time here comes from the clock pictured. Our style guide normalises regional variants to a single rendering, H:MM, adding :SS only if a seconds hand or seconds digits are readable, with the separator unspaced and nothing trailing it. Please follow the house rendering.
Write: 8:55
